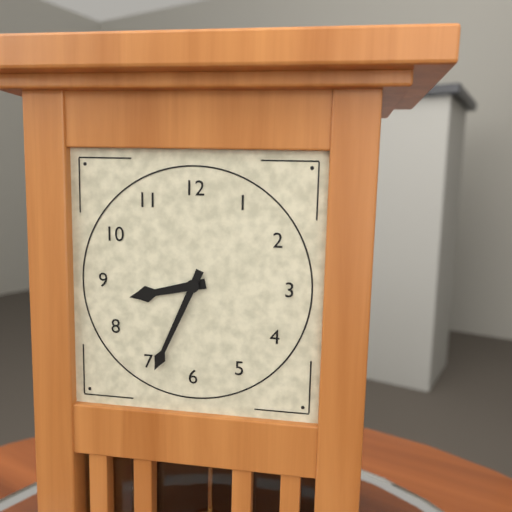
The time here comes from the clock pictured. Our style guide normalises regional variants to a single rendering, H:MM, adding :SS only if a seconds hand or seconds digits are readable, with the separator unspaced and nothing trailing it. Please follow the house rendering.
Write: 8:34
